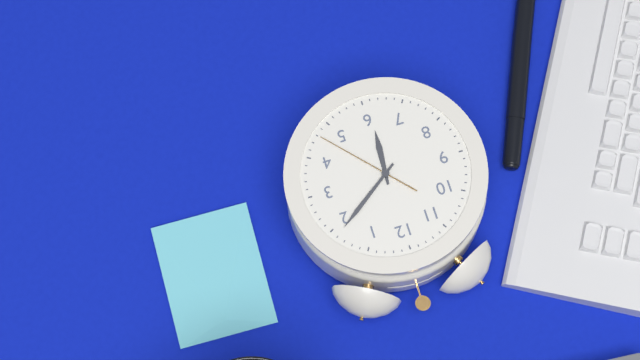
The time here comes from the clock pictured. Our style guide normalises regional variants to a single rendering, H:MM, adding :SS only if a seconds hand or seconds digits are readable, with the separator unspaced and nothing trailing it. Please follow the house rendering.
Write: 6:09:23
